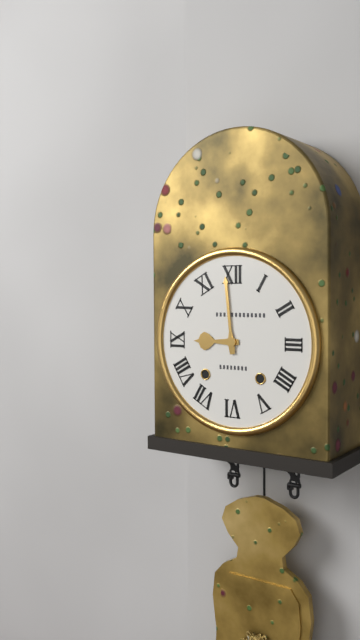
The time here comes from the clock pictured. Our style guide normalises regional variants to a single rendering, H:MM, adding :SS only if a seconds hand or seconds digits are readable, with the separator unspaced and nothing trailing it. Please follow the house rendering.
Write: 8:59
